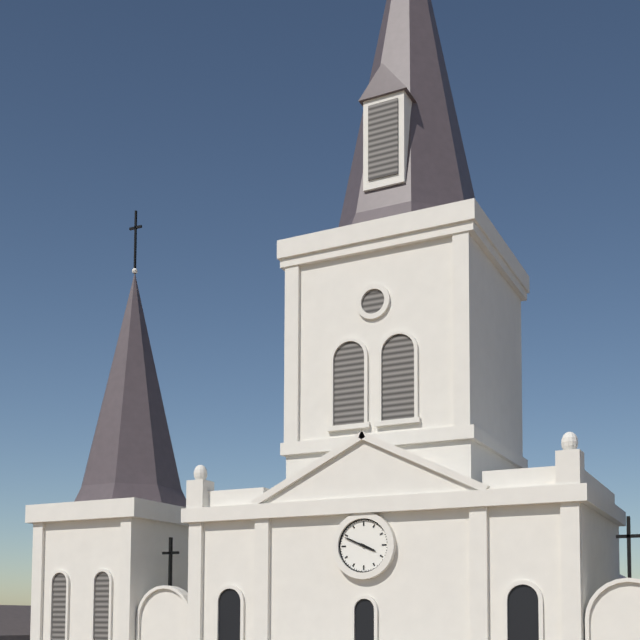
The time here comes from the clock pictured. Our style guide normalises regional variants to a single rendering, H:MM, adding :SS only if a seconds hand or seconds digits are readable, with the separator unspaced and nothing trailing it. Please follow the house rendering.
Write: 3:49
